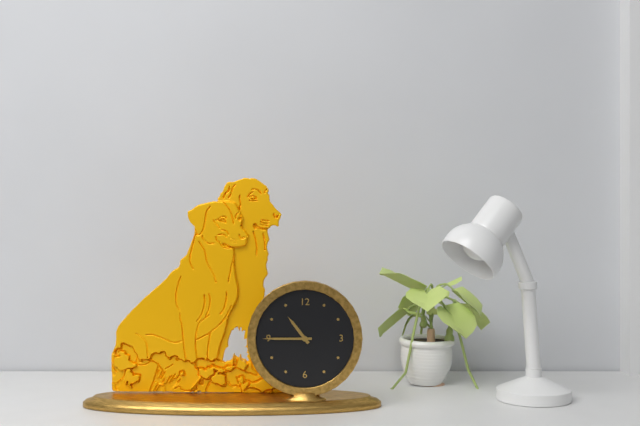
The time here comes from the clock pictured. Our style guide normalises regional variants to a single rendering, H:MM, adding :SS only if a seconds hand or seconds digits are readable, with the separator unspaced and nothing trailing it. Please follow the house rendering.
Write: 10:45
